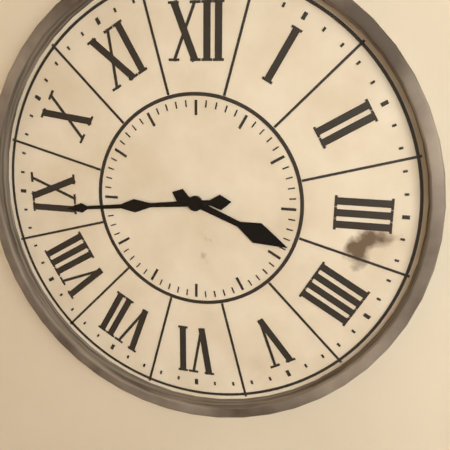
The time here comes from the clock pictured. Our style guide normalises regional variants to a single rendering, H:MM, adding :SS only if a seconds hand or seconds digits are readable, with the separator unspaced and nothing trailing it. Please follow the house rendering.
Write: 3:44
